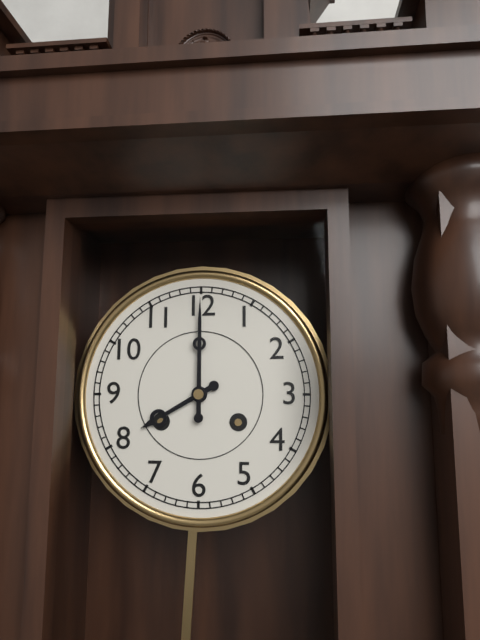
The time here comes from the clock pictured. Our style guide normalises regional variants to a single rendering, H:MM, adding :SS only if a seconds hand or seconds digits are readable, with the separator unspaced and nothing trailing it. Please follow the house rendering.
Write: 8:00
